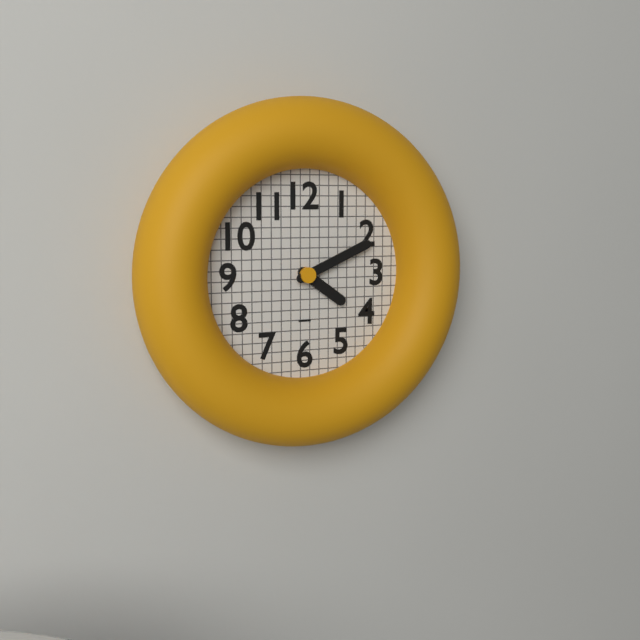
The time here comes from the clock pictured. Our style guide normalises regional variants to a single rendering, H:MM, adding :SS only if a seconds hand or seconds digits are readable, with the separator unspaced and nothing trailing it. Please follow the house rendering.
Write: 4:11
